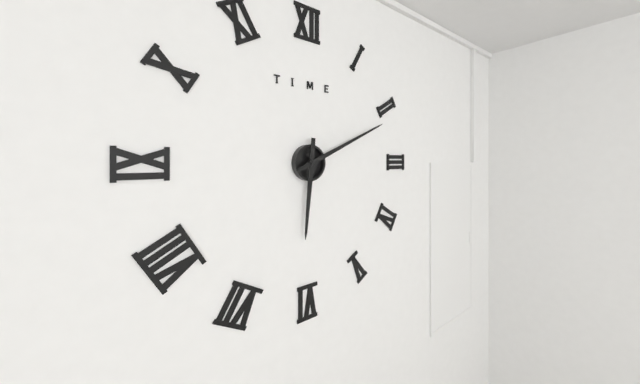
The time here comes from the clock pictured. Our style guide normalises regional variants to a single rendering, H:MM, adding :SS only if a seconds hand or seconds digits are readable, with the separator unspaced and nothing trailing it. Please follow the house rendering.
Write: 6:11
